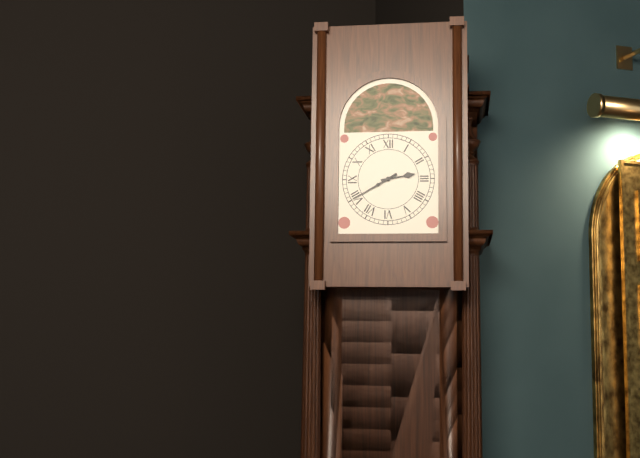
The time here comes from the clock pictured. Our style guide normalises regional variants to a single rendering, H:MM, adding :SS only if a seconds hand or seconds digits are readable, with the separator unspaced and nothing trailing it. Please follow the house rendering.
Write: 2:40
